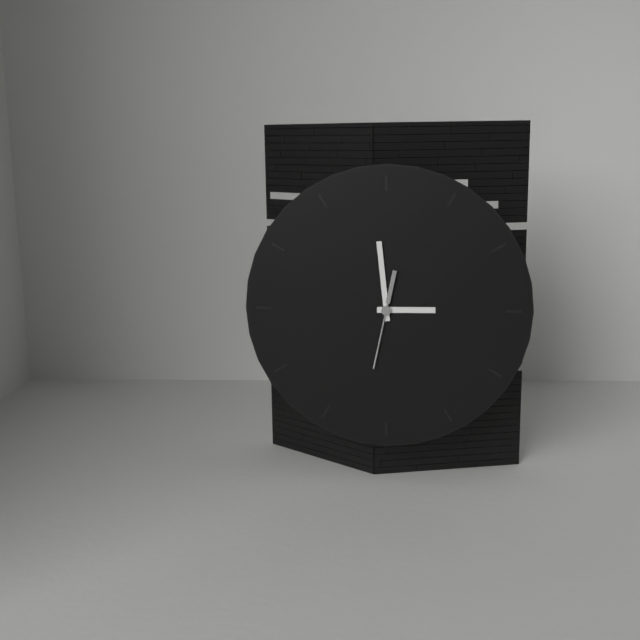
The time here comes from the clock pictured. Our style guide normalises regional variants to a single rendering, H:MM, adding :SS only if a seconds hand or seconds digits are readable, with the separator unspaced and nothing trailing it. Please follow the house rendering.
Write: 2:59:32
